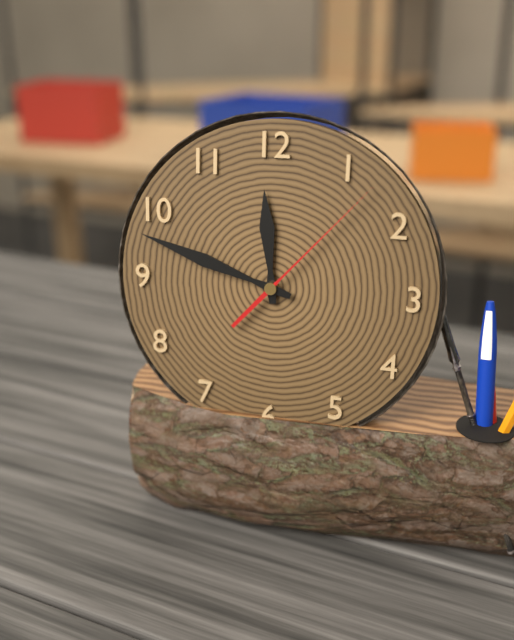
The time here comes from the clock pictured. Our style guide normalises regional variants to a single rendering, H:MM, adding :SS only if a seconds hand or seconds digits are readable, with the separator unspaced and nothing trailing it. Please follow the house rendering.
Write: 11:48:07
